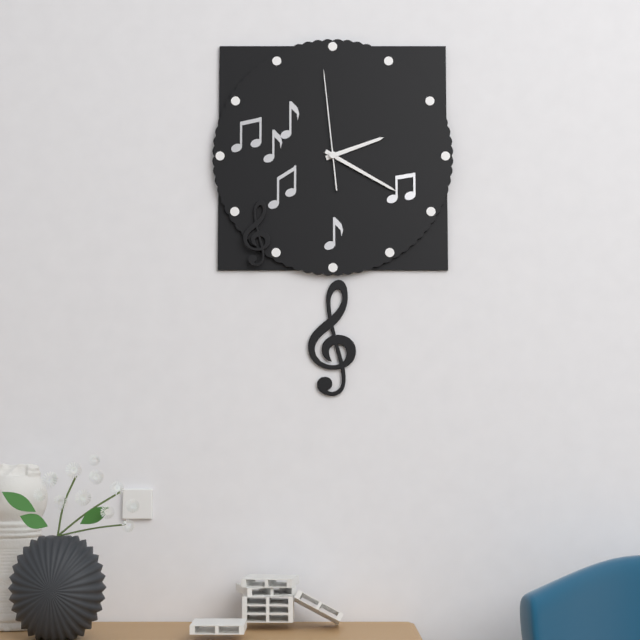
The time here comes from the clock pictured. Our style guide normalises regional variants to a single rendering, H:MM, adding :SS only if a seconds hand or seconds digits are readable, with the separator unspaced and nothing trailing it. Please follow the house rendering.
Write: 2:20:59
